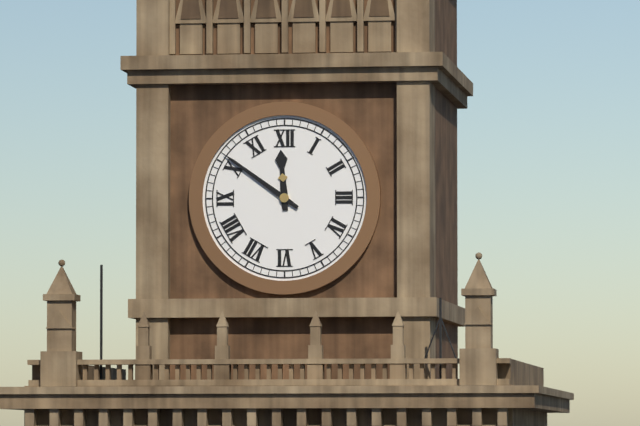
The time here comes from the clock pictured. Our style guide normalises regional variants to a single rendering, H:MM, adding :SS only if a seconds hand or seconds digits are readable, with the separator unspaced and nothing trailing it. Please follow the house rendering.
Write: 11:51
